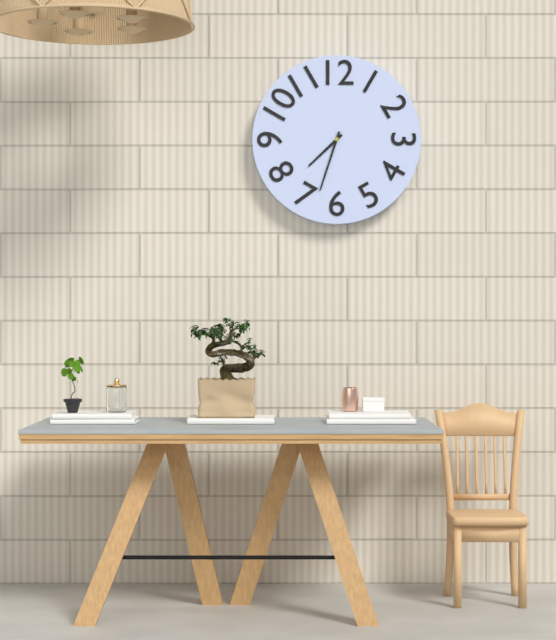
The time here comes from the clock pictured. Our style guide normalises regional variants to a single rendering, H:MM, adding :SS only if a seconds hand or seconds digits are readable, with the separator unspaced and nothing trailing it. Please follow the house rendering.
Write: 7:33
